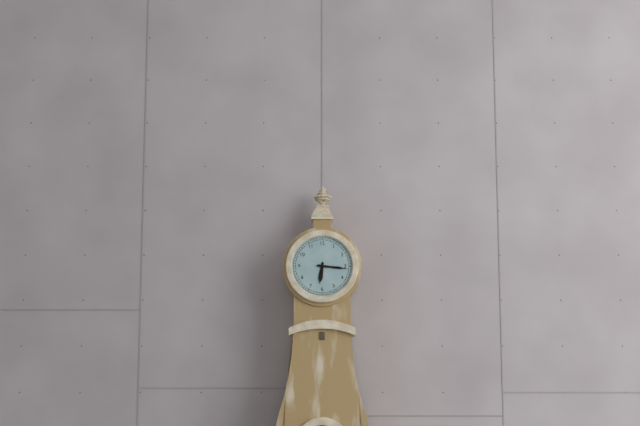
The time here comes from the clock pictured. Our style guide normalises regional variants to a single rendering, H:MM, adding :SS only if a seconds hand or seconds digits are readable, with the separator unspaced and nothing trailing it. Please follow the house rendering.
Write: 6:16
